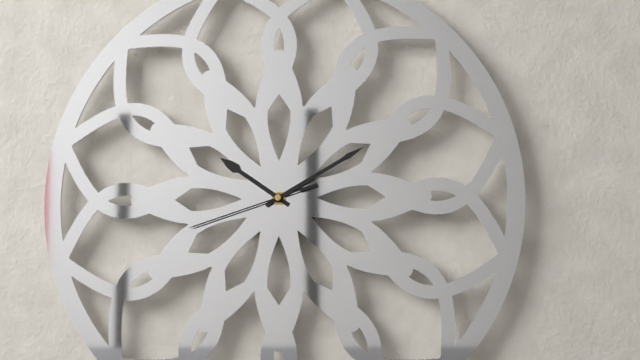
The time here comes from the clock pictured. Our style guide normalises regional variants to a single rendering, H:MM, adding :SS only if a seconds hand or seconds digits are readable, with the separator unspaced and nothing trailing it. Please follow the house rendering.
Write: 10:10:42
